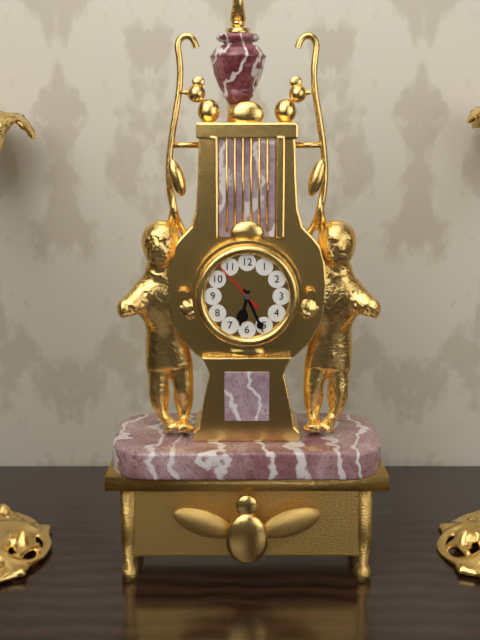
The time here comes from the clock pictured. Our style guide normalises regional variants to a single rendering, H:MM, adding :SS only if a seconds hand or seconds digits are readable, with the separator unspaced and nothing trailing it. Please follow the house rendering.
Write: 6:26:53
